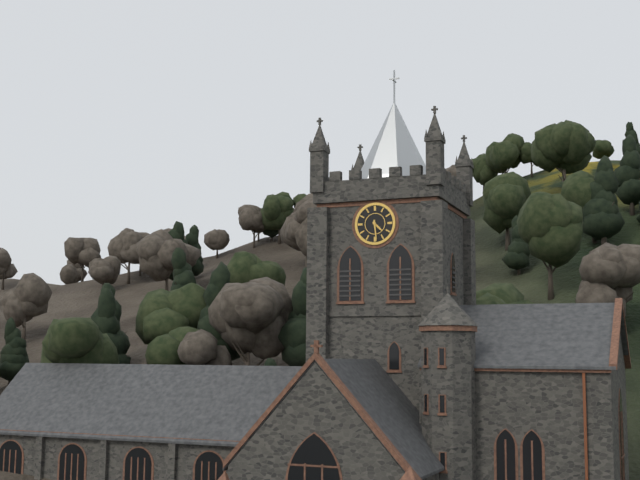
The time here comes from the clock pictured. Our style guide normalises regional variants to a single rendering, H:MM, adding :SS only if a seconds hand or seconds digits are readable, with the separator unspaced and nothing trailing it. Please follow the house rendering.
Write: 4:29
